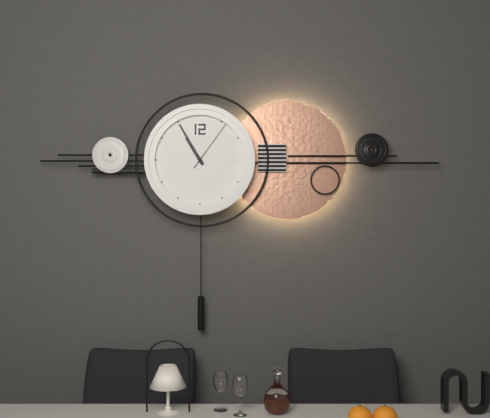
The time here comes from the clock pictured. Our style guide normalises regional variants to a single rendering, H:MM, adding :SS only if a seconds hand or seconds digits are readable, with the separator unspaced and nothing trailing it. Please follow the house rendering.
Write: 10:55:06
